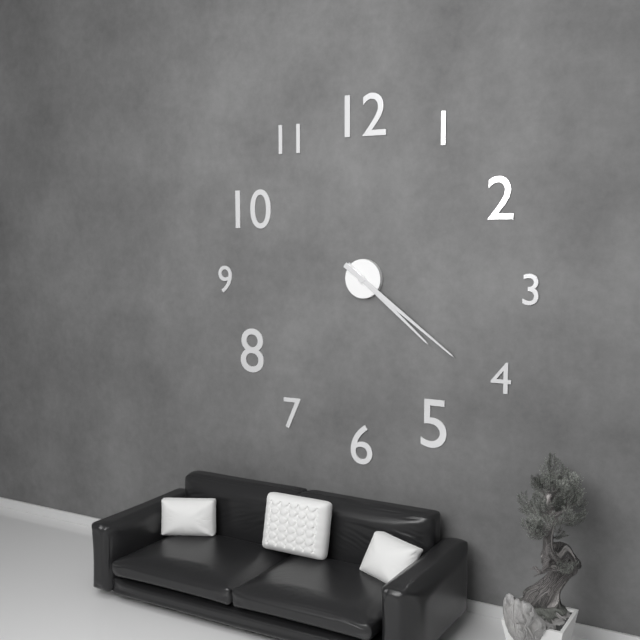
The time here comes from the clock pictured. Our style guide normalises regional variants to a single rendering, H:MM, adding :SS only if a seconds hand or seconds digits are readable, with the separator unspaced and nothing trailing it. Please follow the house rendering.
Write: 4:21
